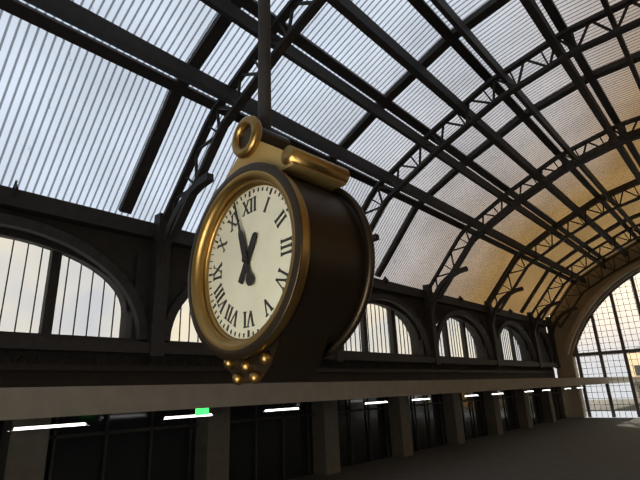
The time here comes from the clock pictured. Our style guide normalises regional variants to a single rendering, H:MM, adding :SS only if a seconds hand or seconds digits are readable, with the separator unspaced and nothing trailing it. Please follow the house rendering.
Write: 12:57
